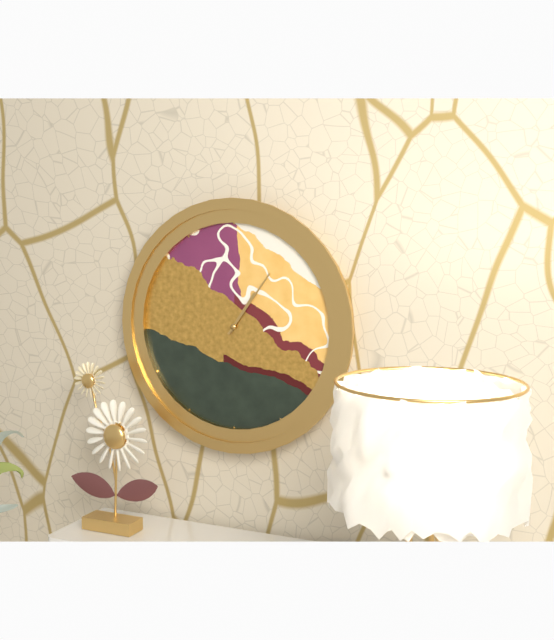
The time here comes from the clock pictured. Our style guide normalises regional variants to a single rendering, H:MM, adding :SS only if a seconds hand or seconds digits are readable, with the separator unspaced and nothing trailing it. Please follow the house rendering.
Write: 1:06
